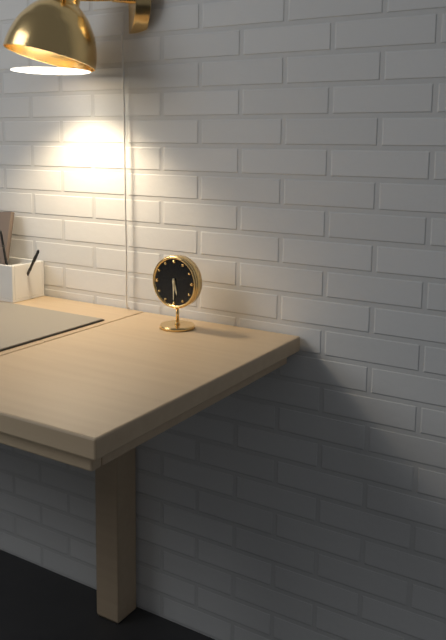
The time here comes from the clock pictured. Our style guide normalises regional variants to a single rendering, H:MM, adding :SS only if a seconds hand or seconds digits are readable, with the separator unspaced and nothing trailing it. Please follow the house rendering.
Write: 5:30
